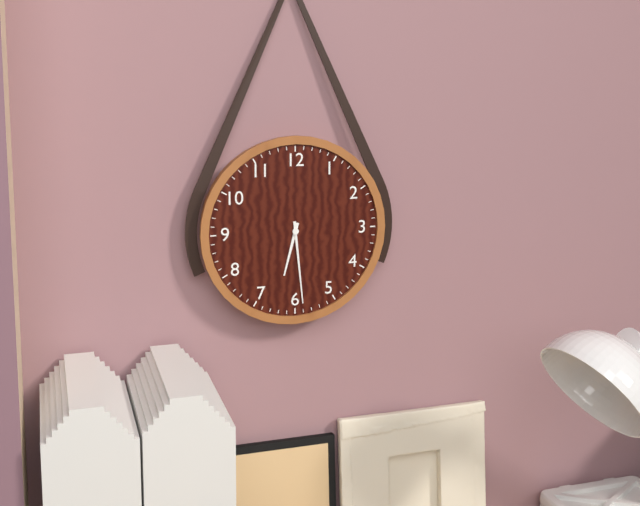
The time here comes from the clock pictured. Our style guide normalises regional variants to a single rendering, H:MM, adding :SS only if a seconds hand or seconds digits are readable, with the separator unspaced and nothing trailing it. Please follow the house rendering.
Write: 6:29
